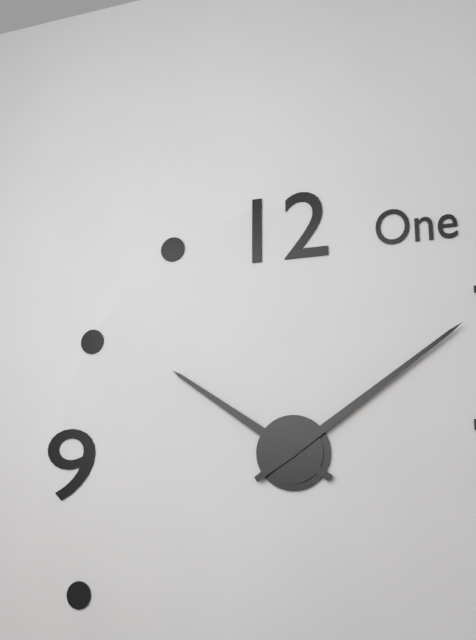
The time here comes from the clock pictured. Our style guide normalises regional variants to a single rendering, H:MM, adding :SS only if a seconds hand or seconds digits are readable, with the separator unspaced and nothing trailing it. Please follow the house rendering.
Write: 10:09
